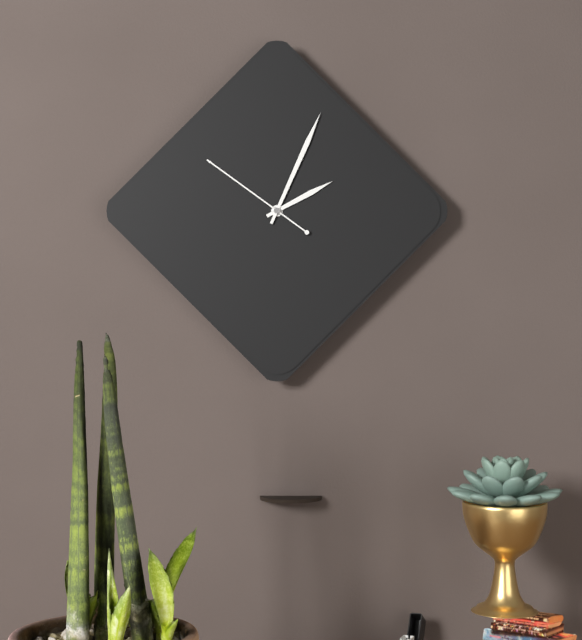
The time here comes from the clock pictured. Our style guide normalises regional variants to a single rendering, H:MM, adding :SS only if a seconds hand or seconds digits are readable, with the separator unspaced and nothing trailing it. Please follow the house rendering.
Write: 2:04:51
